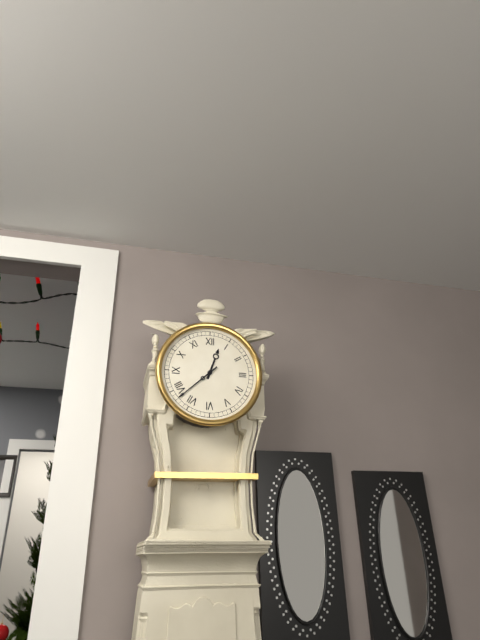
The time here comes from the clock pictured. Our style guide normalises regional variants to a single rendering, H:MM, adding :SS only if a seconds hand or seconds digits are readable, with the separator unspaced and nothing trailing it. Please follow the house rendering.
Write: 12:38
